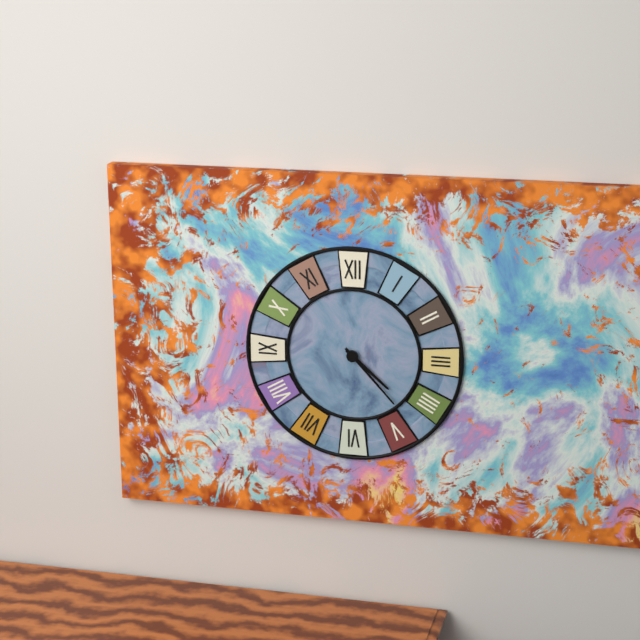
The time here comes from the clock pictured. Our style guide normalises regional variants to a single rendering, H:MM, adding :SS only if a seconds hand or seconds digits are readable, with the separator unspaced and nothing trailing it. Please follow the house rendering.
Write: 4:23
